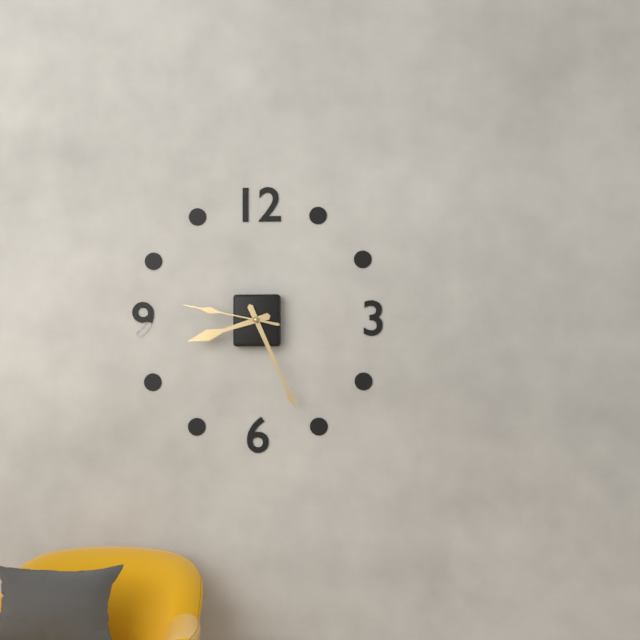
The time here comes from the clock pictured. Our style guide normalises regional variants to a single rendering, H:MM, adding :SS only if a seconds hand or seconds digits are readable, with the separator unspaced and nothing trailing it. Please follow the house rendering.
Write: 8:26:47
